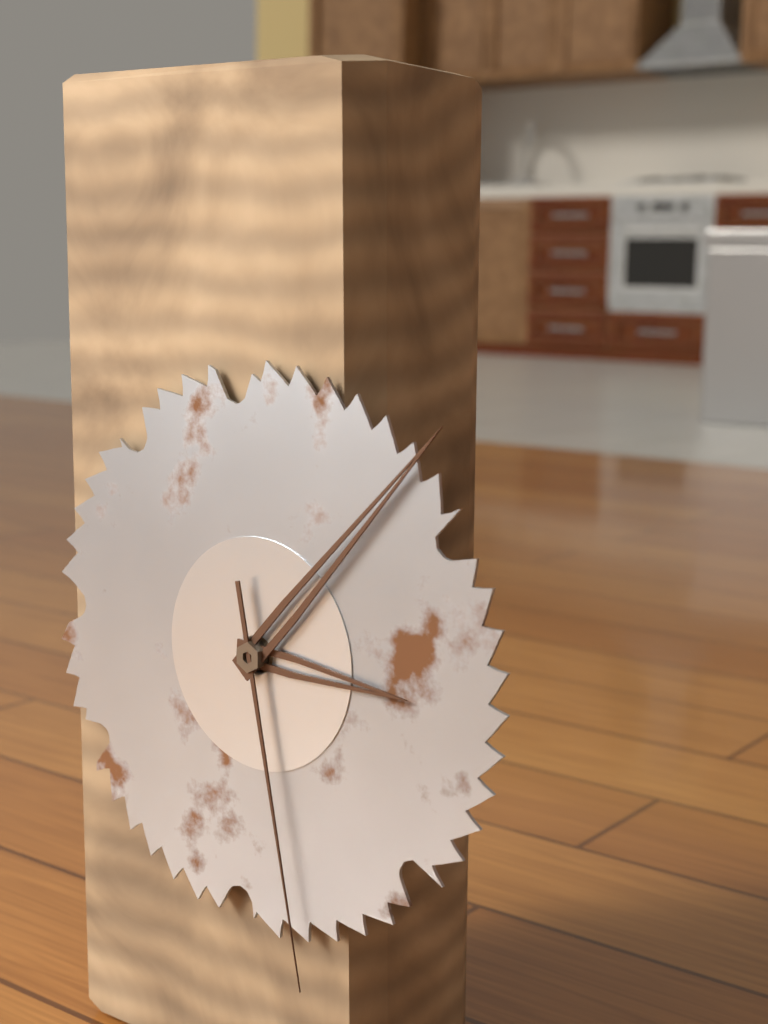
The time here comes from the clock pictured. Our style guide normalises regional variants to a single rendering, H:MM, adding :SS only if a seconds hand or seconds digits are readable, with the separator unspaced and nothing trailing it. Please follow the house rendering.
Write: 3:07:28
